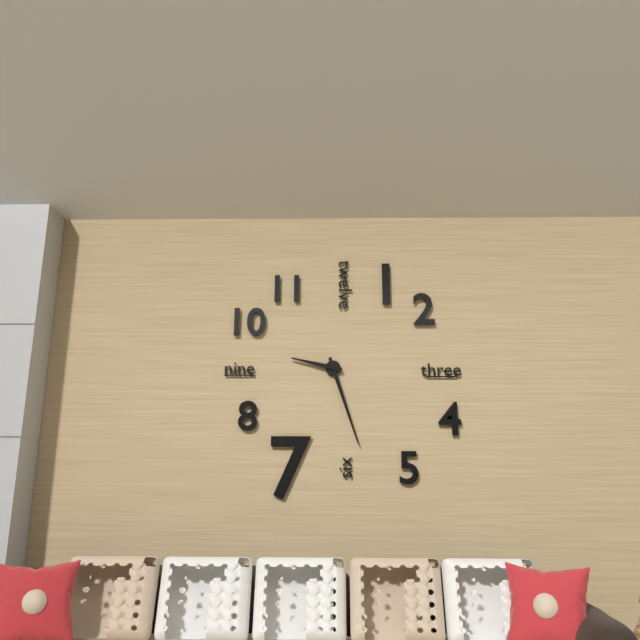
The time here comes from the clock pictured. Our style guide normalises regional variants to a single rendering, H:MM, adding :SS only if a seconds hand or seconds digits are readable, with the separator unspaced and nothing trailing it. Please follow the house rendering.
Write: 9:27
